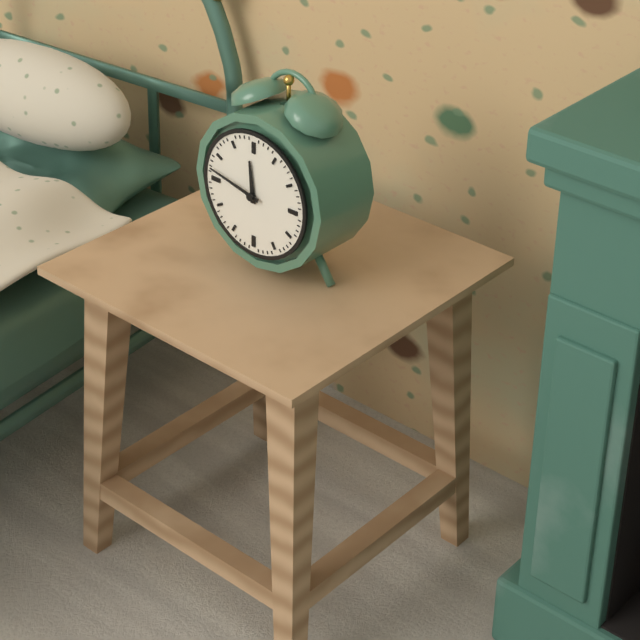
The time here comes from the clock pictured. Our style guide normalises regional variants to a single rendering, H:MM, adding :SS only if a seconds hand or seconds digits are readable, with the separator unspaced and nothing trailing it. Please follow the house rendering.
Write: 11:47
